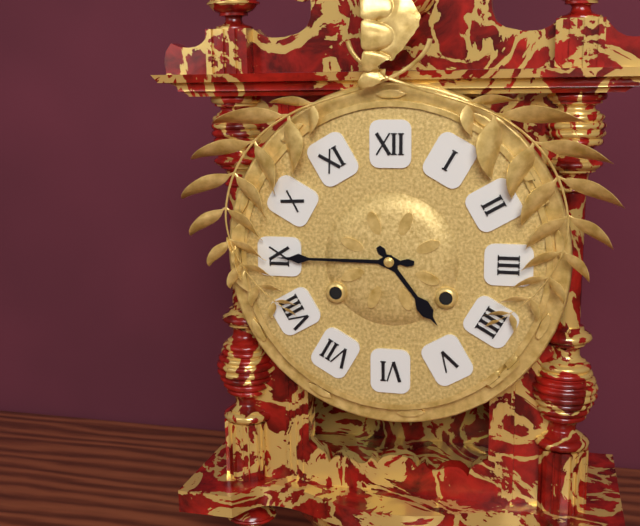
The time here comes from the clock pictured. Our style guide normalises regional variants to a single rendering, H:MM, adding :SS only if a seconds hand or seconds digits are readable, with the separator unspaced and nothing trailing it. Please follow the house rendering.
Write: 4:45
